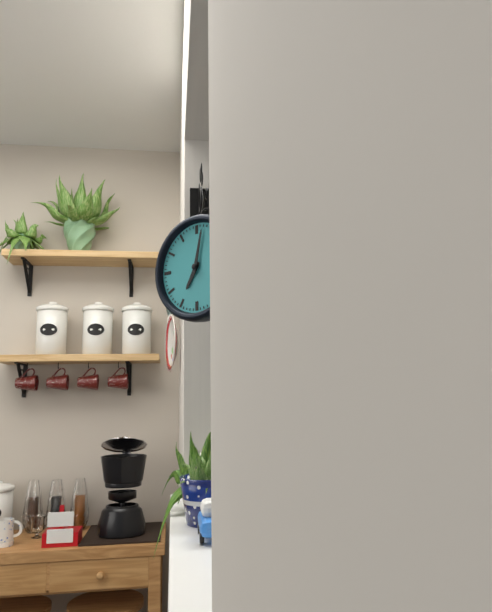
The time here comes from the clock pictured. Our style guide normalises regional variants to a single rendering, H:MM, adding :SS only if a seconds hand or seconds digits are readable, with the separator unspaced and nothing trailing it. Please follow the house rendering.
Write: 7:02
